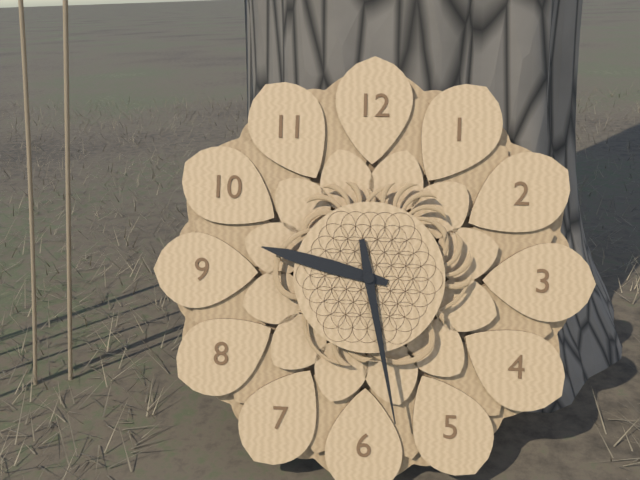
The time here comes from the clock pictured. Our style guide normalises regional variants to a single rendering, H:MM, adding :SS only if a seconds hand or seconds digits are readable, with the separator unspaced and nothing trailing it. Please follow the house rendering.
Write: 9:28
